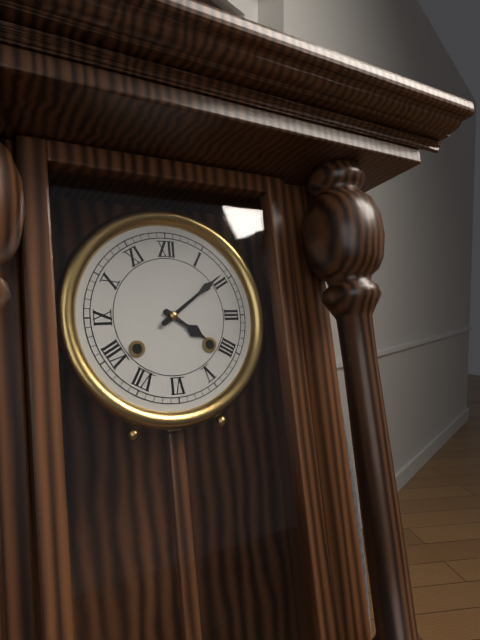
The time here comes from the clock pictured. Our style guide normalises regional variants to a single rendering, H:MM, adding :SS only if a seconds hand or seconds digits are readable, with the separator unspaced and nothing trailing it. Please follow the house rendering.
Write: 4:09
